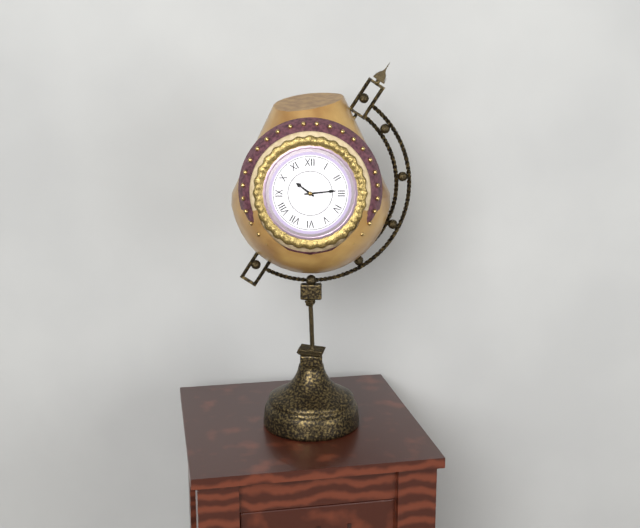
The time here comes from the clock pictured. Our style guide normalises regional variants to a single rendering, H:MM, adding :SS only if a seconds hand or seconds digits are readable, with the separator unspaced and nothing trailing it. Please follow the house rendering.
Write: 10:14
